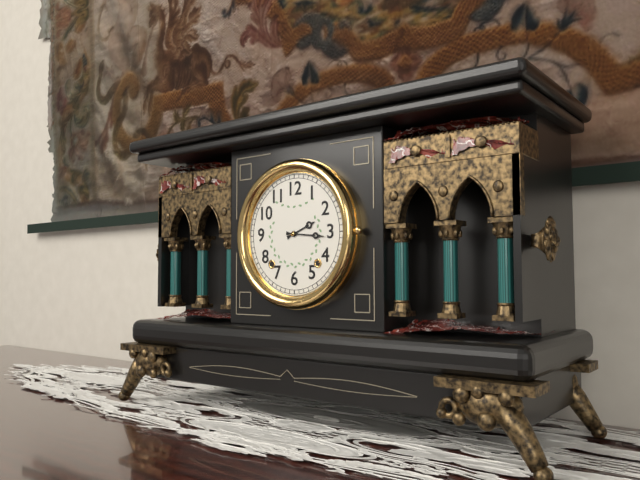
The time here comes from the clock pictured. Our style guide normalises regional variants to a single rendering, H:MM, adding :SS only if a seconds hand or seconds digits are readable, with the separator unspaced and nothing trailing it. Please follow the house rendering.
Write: 2:16
